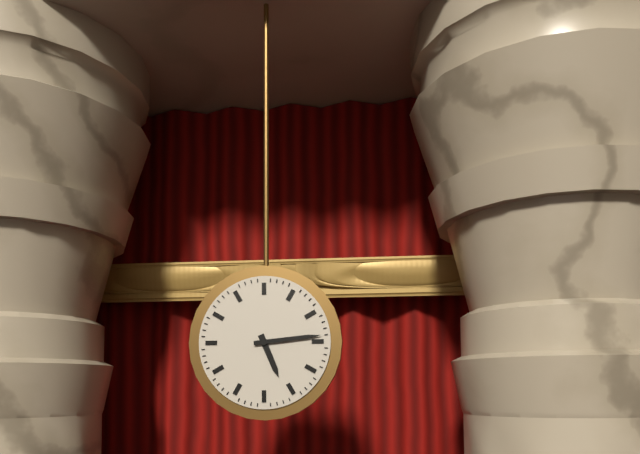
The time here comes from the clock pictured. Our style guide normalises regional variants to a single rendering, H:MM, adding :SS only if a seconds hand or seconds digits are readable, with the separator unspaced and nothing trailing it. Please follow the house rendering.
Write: 5:14
